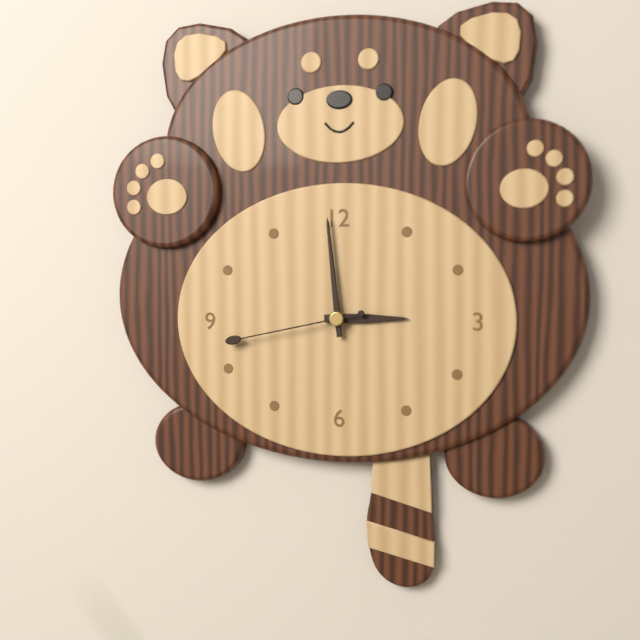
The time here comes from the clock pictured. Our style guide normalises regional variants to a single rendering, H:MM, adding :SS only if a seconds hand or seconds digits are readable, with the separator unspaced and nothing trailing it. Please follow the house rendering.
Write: 2:59:43
